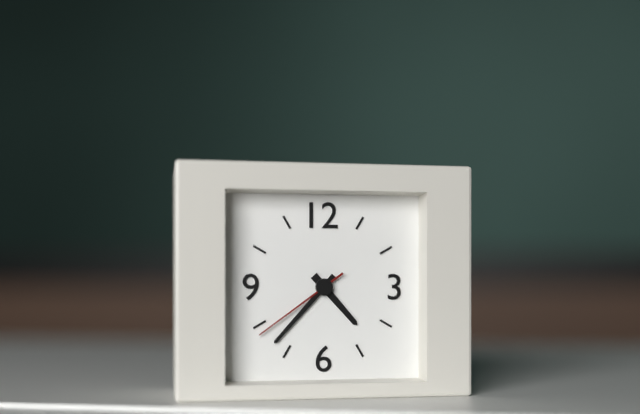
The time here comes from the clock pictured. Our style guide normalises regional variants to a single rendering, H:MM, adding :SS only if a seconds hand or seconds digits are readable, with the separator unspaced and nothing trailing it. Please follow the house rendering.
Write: 4:37:39
